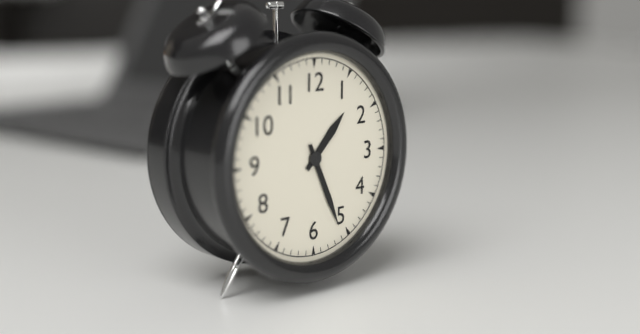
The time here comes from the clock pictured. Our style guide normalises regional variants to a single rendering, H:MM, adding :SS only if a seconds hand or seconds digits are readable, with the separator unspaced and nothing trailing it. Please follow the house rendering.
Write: 1:26
